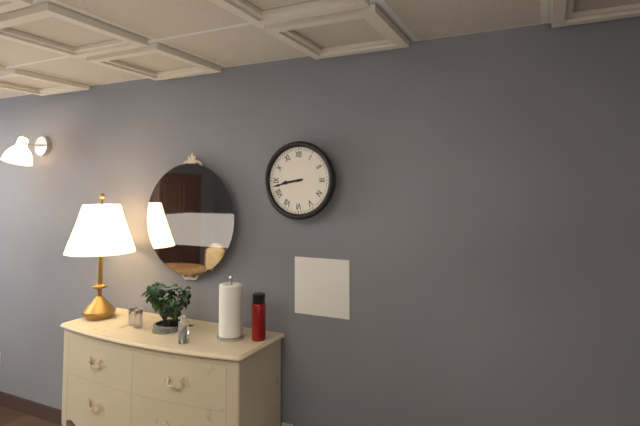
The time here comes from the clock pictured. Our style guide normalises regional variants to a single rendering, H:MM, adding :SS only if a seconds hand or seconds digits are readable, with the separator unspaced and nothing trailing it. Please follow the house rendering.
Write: 8:43
